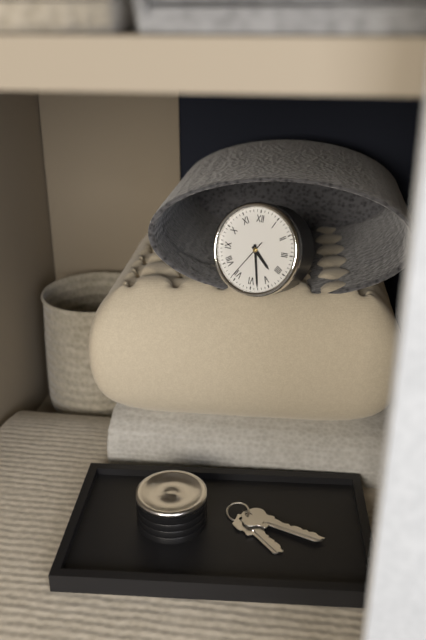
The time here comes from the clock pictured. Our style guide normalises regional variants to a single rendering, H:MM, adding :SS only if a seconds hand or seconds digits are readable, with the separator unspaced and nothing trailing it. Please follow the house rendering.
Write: 4:28
